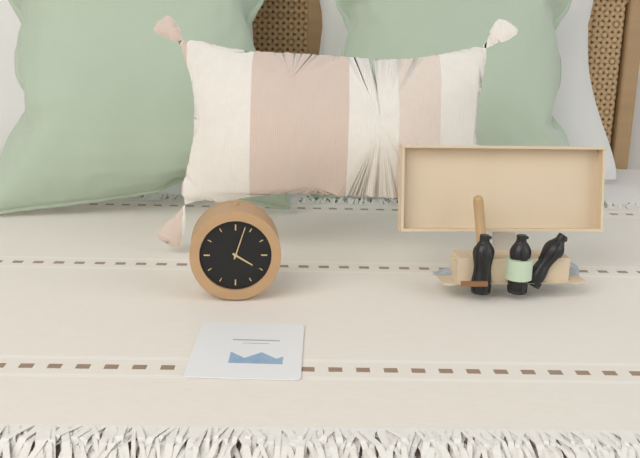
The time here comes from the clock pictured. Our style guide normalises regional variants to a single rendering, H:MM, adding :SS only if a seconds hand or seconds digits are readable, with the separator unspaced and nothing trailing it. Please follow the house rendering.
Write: 4:03
